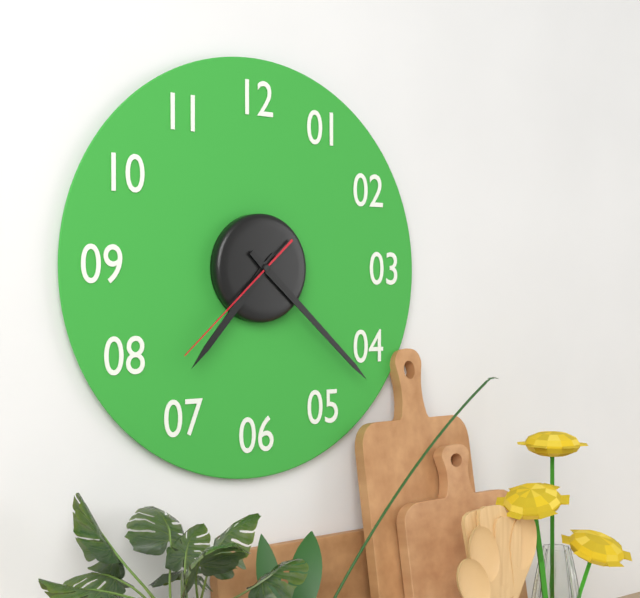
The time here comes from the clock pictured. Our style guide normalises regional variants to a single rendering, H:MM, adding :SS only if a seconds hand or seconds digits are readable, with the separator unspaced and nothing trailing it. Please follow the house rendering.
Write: 7:22:38
